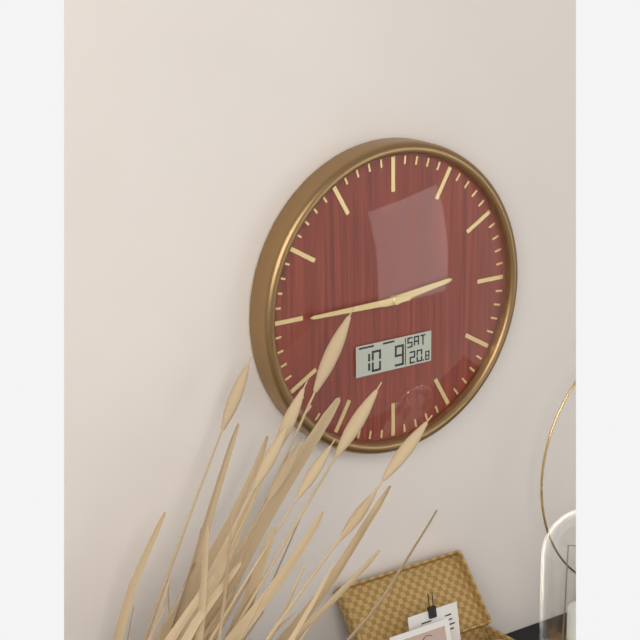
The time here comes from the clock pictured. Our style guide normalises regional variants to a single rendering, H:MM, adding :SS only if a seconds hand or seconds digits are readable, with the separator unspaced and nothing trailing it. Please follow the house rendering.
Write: 2:45
